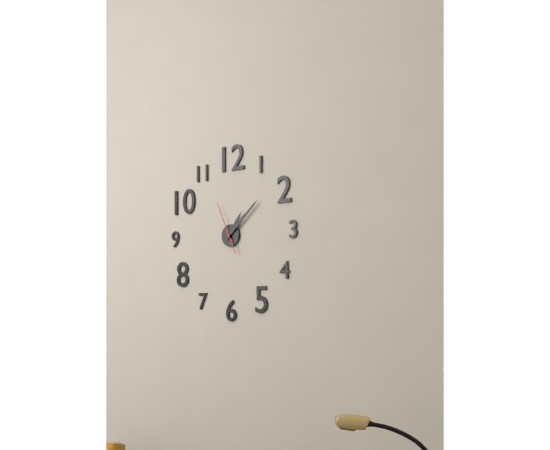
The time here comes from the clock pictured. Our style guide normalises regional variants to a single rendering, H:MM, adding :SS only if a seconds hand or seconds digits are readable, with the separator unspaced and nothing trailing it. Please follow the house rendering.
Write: 1:08
